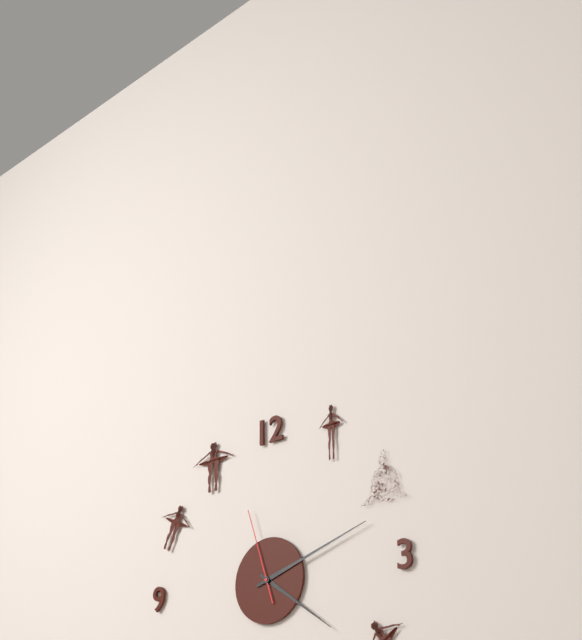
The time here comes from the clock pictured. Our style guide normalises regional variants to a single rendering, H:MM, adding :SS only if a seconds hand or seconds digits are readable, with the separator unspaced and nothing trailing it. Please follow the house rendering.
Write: 4:12:57
